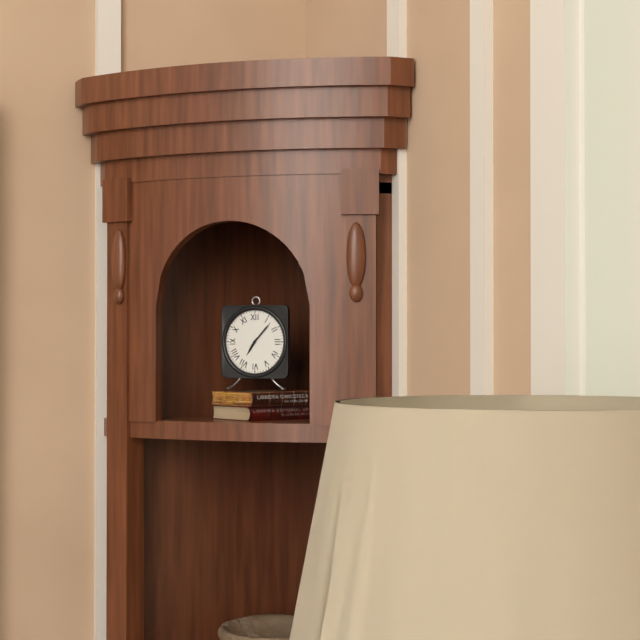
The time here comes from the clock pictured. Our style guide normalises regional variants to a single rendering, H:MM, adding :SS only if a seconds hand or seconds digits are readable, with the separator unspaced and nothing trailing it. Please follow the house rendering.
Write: 7:07
